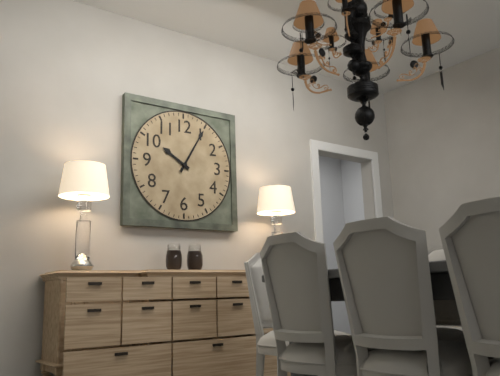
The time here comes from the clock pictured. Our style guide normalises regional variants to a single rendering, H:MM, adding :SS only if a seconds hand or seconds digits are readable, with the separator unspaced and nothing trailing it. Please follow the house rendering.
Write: 10:05
